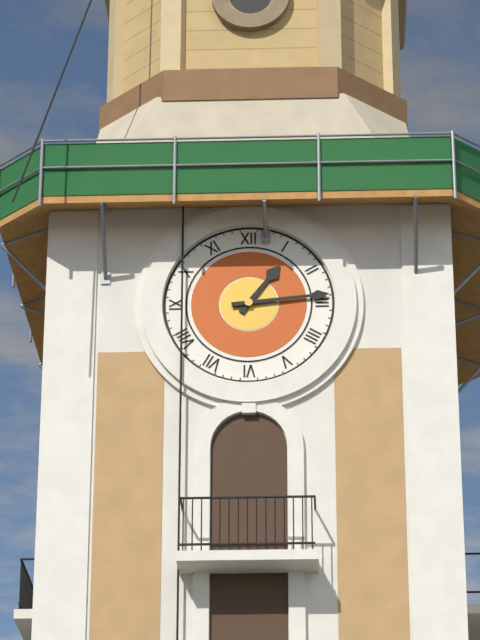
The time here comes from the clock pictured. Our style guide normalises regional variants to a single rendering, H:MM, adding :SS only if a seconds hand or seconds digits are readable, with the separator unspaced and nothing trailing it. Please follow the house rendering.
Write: 1:14
